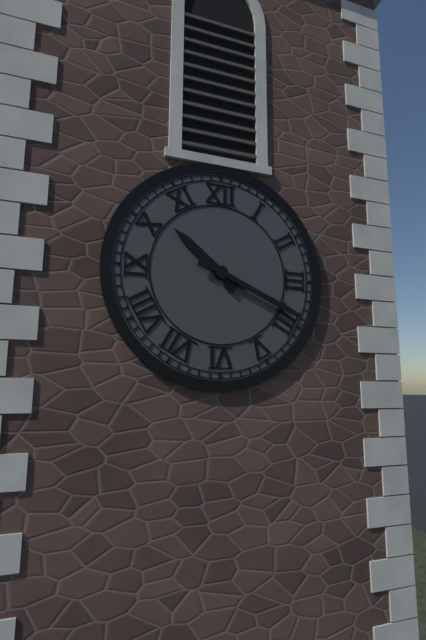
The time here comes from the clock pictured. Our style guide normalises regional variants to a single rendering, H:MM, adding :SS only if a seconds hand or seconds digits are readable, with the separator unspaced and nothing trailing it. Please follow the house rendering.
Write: 10:19
